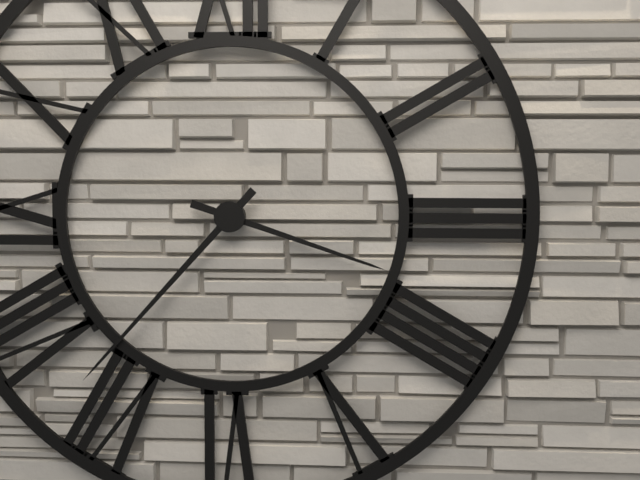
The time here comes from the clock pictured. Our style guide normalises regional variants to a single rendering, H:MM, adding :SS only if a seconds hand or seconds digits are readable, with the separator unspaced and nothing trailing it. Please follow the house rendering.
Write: 3:37
